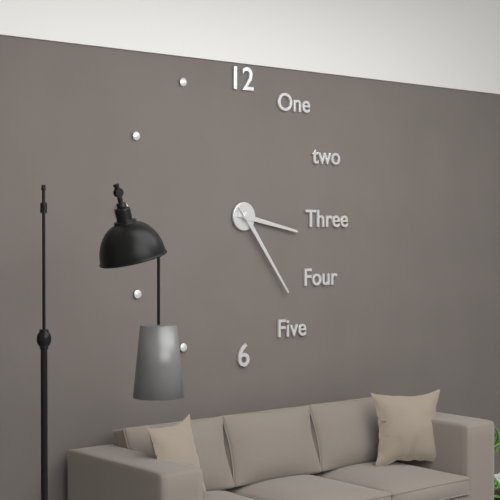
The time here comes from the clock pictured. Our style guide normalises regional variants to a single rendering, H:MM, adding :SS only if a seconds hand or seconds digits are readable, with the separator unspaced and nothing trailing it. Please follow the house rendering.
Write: 3:24
